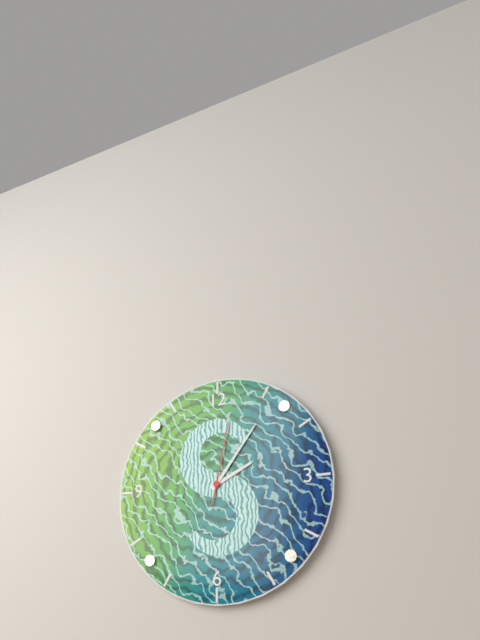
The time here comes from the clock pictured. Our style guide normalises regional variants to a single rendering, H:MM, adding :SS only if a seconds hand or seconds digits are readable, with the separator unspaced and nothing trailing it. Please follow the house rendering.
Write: 2:06:02
